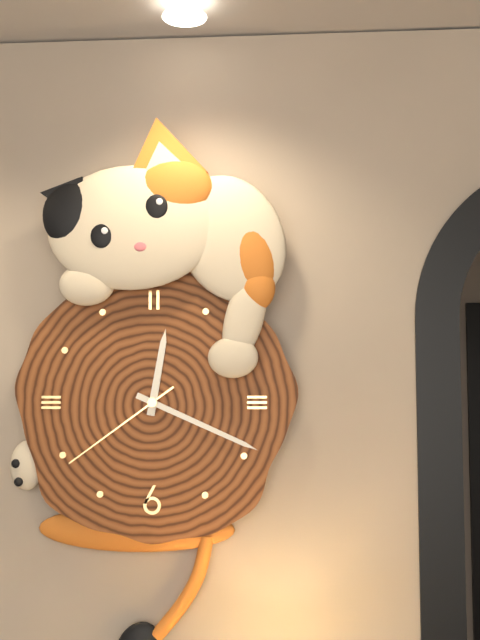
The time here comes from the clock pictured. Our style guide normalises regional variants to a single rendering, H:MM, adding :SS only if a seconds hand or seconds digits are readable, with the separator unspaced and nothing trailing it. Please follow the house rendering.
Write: 12:19:39
